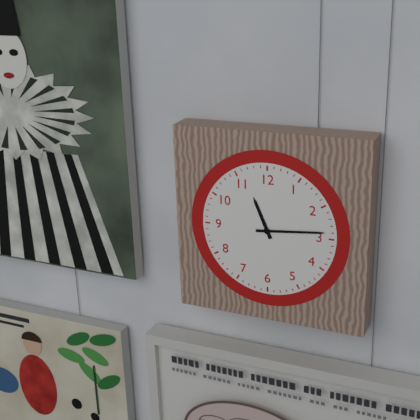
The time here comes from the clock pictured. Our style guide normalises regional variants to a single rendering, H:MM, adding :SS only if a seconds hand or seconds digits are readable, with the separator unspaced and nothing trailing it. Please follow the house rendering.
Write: 11:14
